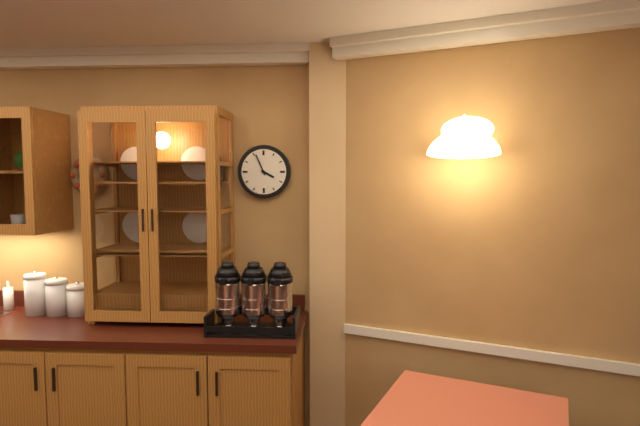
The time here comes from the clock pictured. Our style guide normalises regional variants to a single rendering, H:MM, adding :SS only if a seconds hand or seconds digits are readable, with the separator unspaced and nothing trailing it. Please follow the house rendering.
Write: 3:56
